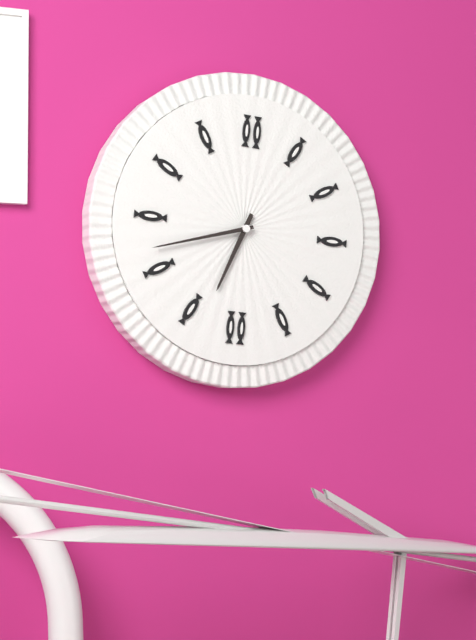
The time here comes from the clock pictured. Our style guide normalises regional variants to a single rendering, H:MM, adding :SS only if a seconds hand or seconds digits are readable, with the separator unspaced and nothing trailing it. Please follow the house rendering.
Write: 6:42
